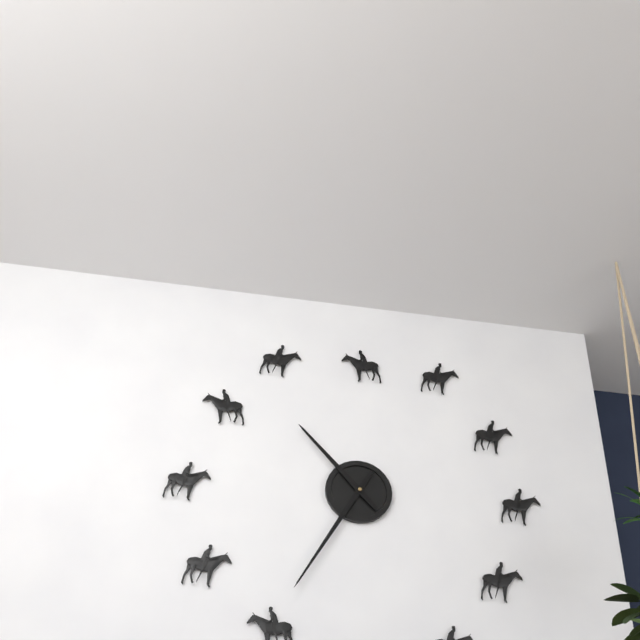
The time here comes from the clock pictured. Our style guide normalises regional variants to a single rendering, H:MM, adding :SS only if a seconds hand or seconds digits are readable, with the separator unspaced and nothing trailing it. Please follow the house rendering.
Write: 10:35
